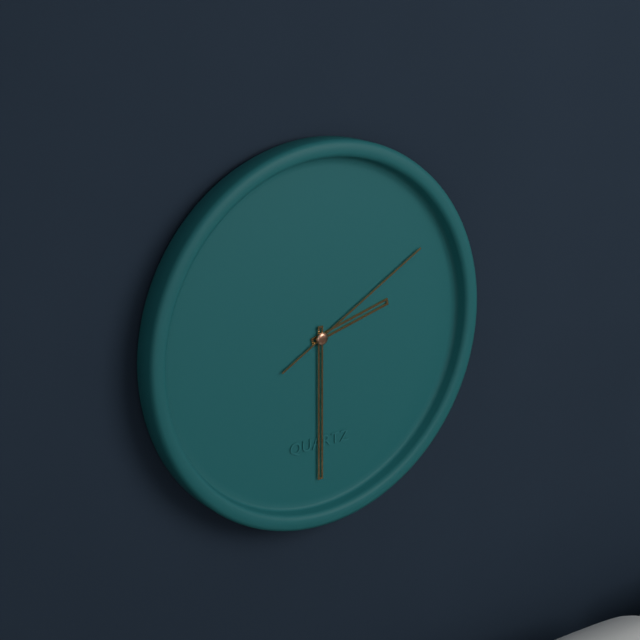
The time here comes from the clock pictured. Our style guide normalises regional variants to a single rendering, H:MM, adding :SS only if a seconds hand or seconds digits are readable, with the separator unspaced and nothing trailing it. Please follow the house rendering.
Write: 2:30:10
